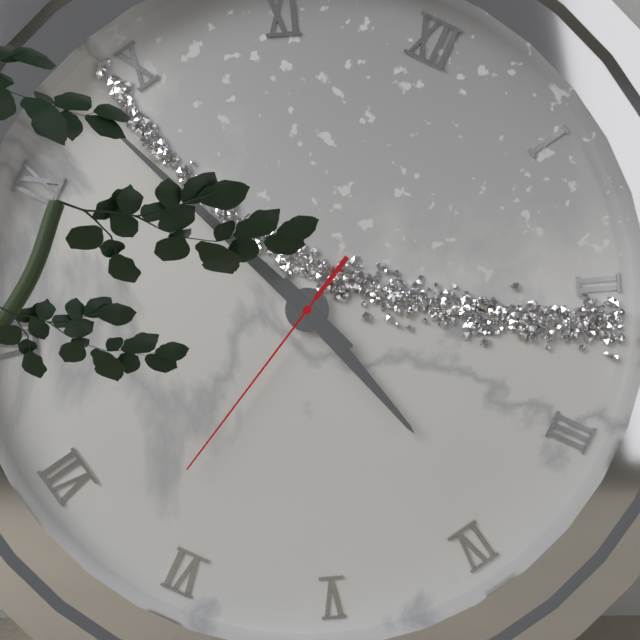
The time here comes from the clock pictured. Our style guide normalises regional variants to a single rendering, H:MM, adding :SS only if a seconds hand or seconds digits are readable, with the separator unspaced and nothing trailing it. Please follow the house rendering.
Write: 3:48:32
